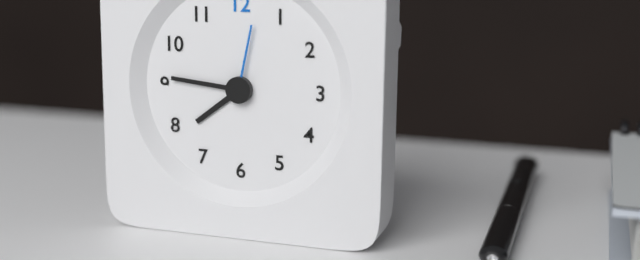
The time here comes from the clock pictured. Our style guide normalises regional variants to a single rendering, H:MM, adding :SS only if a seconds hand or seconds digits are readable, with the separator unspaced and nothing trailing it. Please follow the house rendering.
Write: 7:46:02
